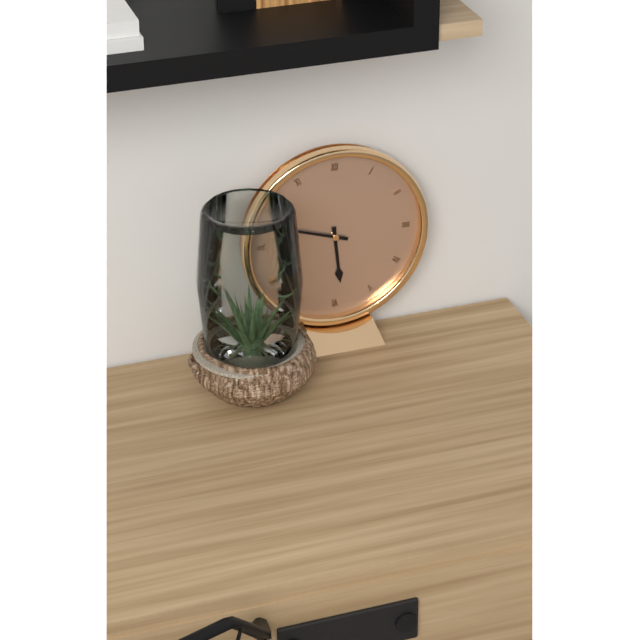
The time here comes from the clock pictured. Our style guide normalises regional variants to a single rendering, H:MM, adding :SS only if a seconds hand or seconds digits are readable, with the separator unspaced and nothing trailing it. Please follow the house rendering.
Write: 5:48
